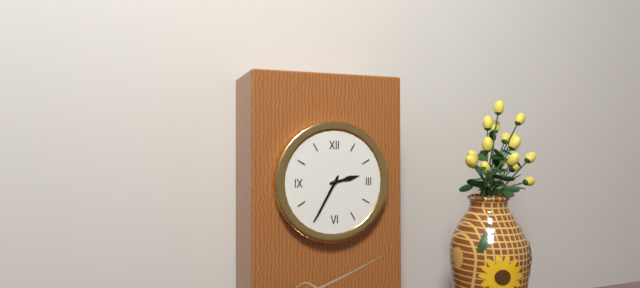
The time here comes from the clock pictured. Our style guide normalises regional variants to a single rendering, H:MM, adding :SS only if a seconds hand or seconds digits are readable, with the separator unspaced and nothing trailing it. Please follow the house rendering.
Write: 2:35
